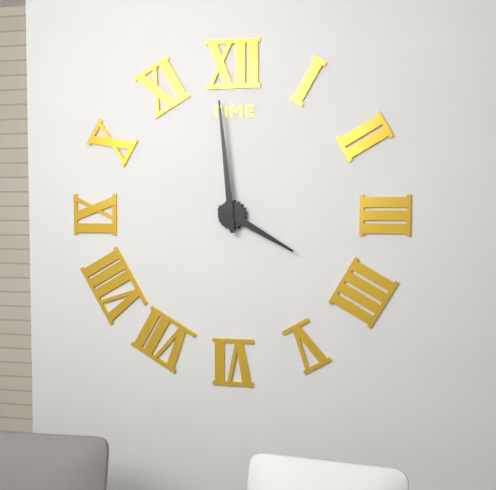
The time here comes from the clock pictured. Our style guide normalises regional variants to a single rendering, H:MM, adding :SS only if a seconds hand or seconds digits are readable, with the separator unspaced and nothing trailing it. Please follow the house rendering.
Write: 3:59
